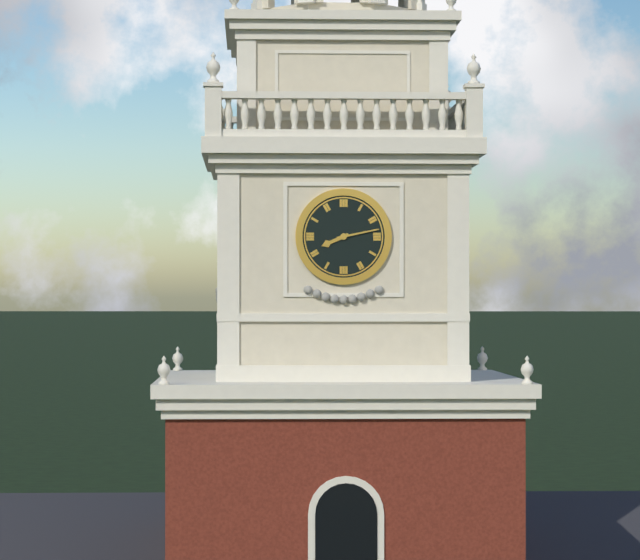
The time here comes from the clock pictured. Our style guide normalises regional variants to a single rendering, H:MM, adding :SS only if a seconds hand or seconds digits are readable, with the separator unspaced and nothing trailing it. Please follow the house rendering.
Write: 8:13
